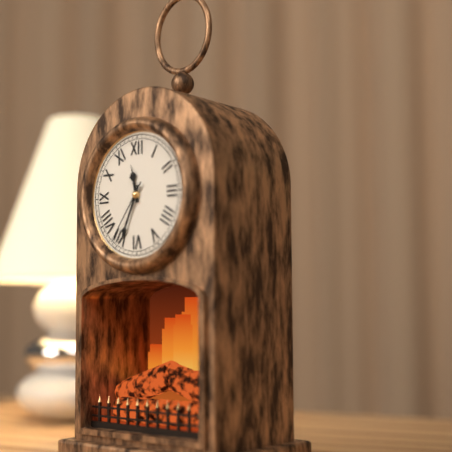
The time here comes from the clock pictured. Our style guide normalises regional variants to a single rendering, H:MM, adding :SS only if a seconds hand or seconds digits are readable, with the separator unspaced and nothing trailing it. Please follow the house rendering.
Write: 11:34:36
